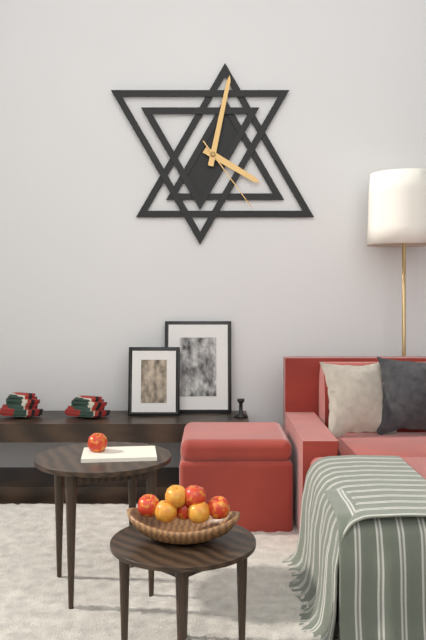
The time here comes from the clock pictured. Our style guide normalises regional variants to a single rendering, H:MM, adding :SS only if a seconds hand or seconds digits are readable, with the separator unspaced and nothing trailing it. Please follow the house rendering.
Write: 4:02:24
